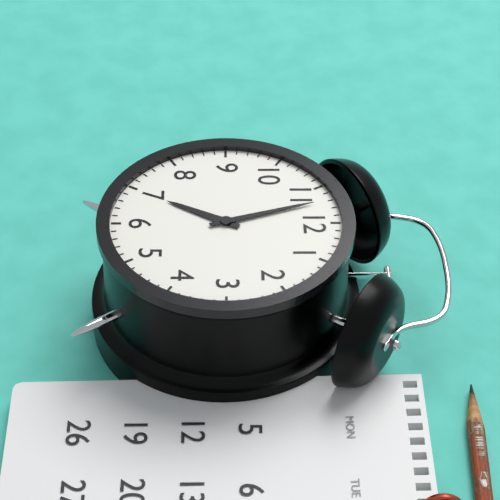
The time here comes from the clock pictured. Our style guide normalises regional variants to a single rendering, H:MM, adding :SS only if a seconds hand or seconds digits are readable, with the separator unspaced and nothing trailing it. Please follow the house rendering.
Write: 6:57
